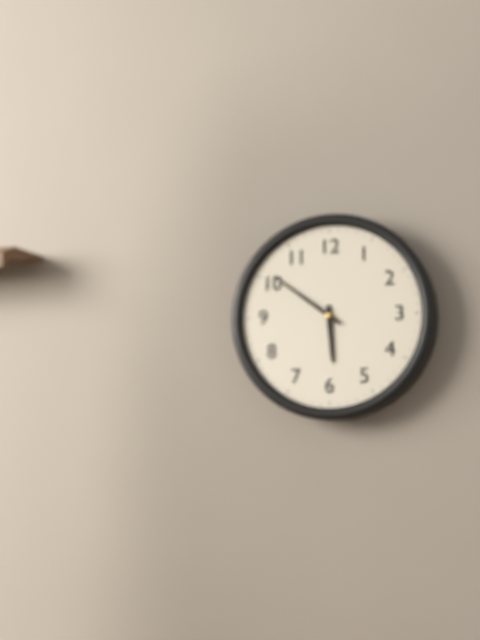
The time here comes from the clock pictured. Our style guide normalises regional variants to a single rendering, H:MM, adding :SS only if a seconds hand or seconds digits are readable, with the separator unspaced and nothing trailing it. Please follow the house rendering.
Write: 5:51
